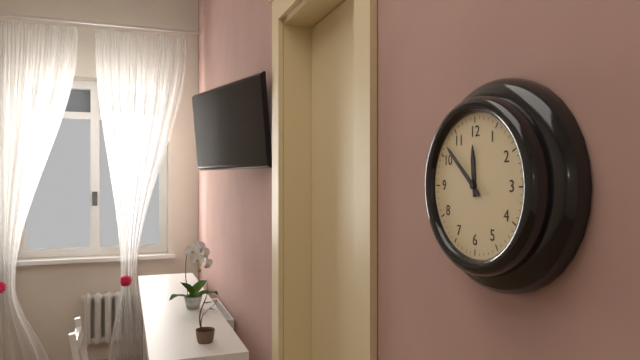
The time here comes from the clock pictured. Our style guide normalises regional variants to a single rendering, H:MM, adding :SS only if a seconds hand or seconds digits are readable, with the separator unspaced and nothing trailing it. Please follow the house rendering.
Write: 11:52
